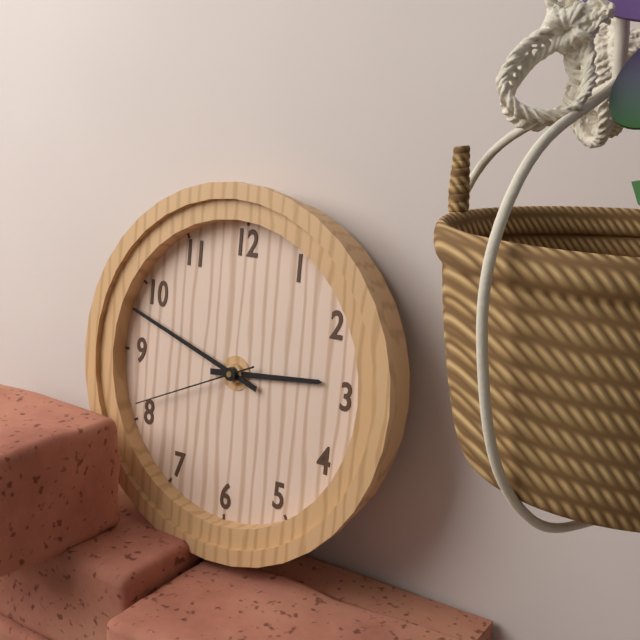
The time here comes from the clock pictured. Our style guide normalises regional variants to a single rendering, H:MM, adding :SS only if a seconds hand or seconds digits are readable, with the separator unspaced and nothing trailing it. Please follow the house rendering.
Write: 2:48:41
